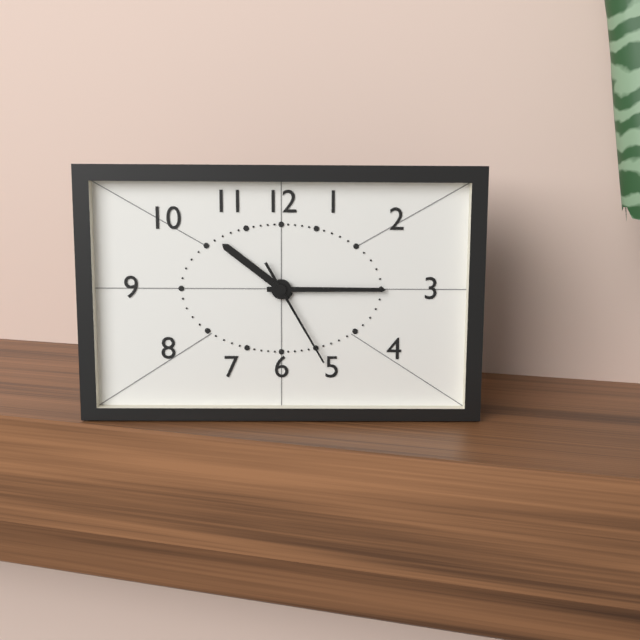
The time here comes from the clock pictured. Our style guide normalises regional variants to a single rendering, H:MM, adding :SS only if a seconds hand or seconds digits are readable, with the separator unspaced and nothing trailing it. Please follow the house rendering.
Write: 10:15:25
